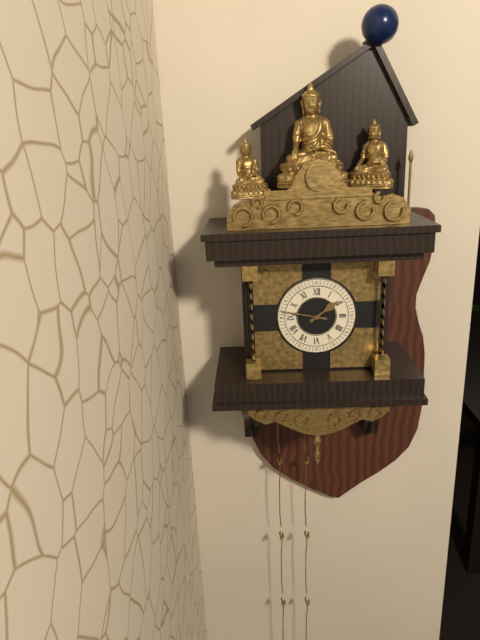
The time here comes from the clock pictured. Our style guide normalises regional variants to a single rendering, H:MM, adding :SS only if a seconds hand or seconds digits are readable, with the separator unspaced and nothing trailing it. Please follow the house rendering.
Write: 1:47
